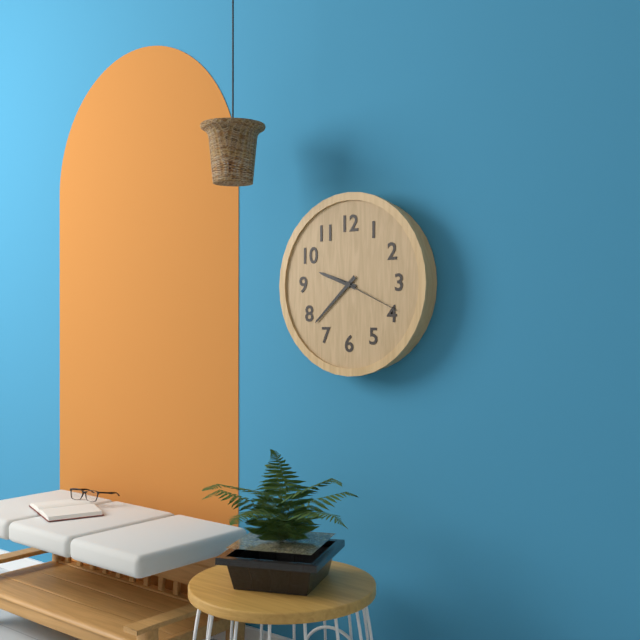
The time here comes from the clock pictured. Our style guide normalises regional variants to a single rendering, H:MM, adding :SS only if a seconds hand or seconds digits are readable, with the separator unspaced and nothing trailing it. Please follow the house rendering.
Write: 9:38:19
